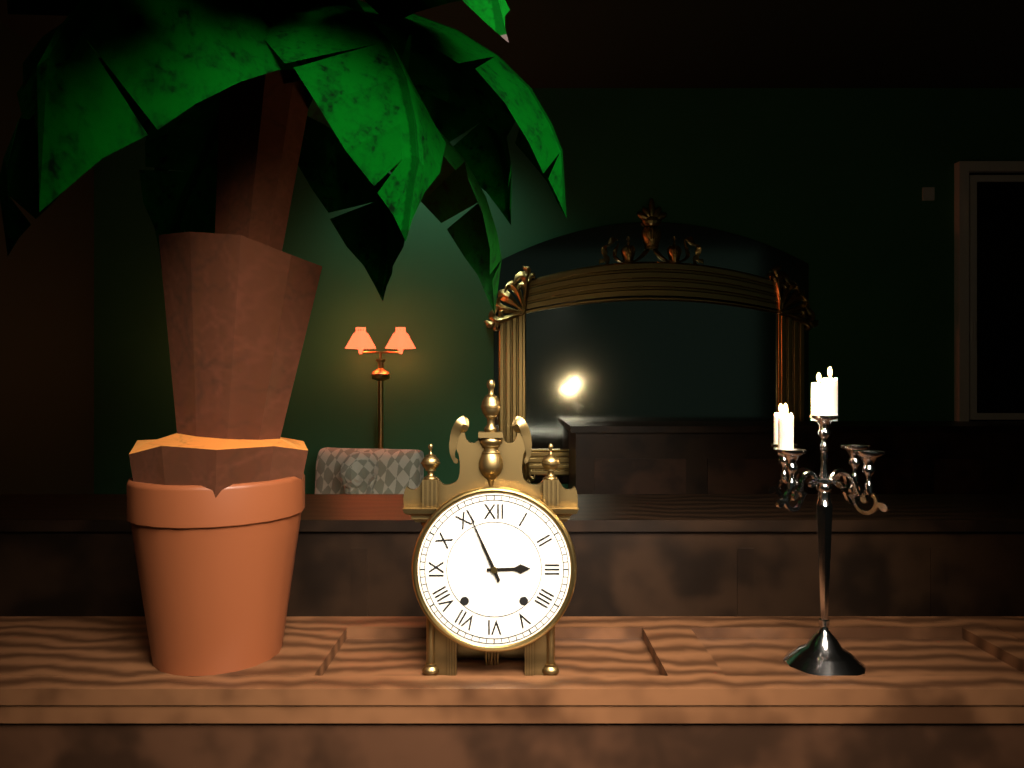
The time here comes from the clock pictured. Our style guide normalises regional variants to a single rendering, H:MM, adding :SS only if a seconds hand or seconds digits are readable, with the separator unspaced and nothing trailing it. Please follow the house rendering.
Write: 2:56
